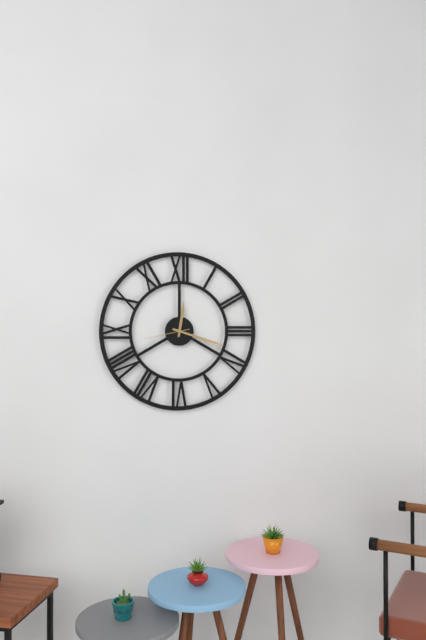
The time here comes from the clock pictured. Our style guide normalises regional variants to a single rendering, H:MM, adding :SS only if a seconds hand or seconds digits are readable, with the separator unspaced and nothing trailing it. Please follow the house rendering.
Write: 12:18
